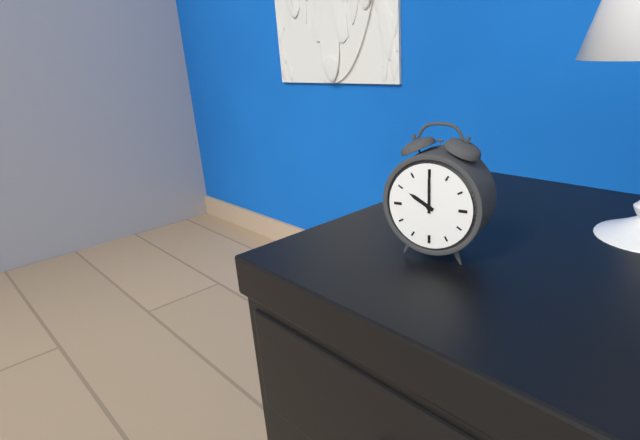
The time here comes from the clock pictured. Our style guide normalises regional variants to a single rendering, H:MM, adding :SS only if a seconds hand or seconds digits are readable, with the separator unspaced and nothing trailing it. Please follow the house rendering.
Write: 10:00
